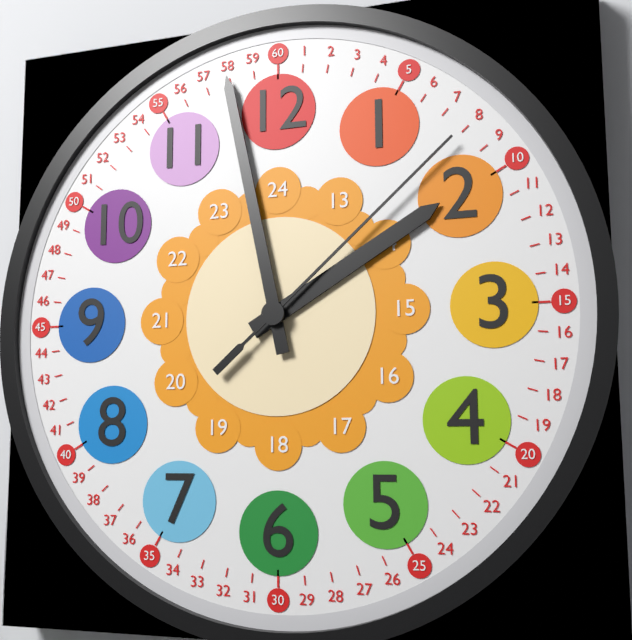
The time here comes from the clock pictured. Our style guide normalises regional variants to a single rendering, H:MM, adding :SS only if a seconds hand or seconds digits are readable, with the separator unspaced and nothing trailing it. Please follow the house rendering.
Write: 1:58:08
